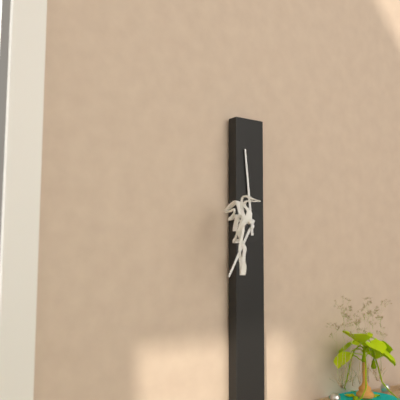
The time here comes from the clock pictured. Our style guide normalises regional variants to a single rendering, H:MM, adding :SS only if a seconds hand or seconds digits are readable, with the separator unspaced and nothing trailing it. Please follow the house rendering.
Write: 6:59
